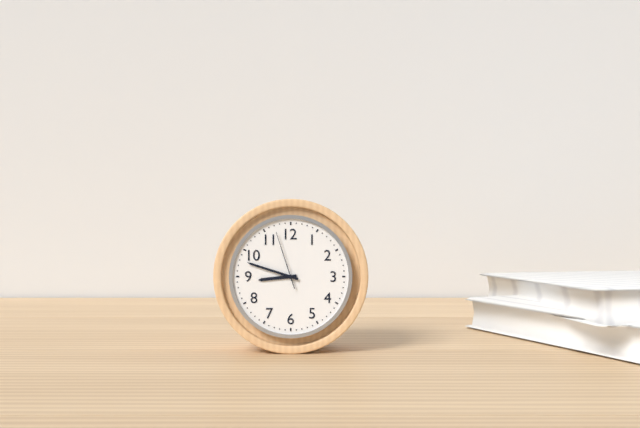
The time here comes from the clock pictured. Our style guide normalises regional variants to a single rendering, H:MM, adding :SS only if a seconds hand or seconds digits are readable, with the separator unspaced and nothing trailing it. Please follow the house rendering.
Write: 8:48:57
